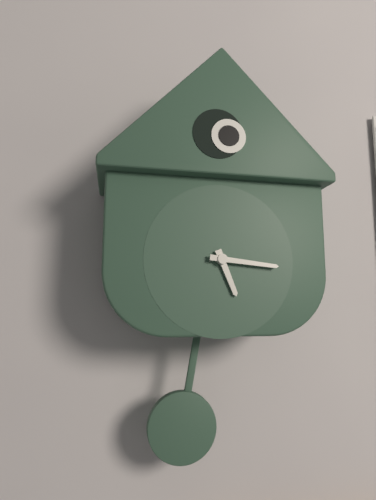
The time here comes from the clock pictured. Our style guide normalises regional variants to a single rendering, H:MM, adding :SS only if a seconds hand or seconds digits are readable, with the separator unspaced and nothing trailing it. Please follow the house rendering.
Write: 5:16
